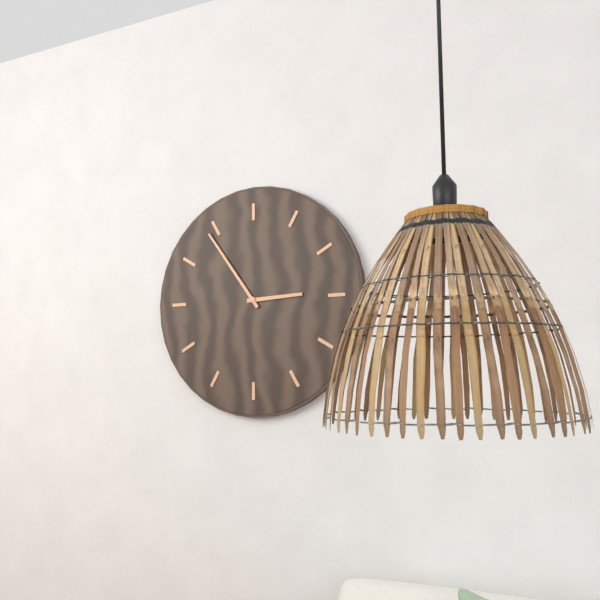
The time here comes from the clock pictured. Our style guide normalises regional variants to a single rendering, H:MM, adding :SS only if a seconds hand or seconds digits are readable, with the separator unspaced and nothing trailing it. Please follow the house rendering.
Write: 2:54
